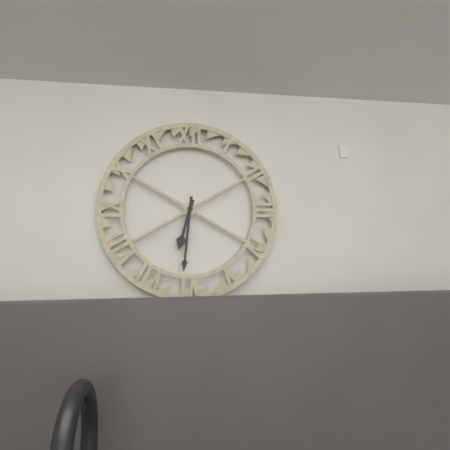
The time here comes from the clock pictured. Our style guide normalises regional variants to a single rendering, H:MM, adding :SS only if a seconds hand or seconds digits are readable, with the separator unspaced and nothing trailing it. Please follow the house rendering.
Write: 6:31
